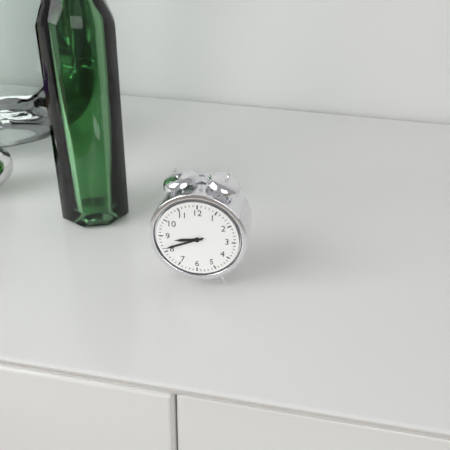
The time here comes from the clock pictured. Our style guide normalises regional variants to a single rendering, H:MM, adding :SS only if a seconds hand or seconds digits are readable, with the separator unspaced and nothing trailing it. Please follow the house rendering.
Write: 8:41
